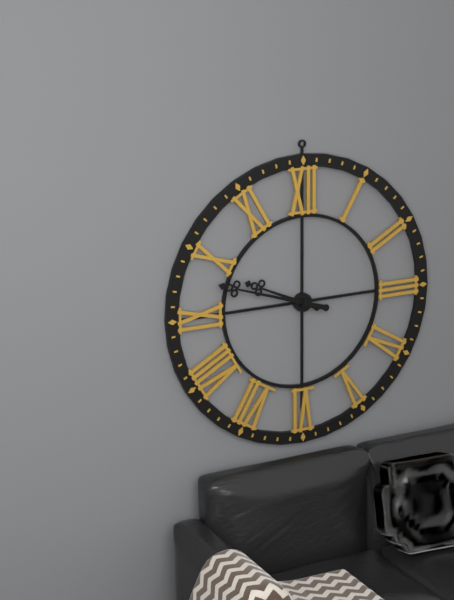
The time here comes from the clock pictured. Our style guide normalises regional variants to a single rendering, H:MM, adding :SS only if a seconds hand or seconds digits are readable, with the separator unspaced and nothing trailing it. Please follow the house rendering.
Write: 9:48
